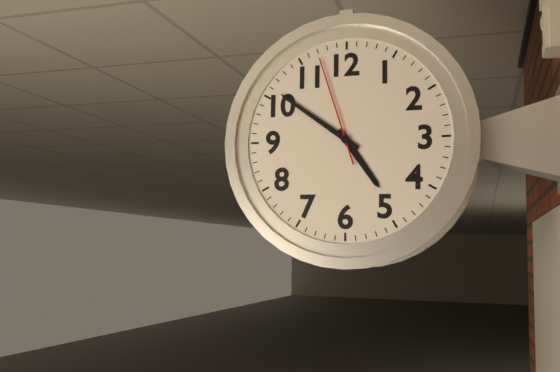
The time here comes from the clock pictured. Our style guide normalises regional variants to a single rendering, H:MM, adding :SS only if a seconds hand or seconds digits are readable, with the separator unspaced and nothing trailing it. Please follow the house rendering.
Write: 4:51:57
